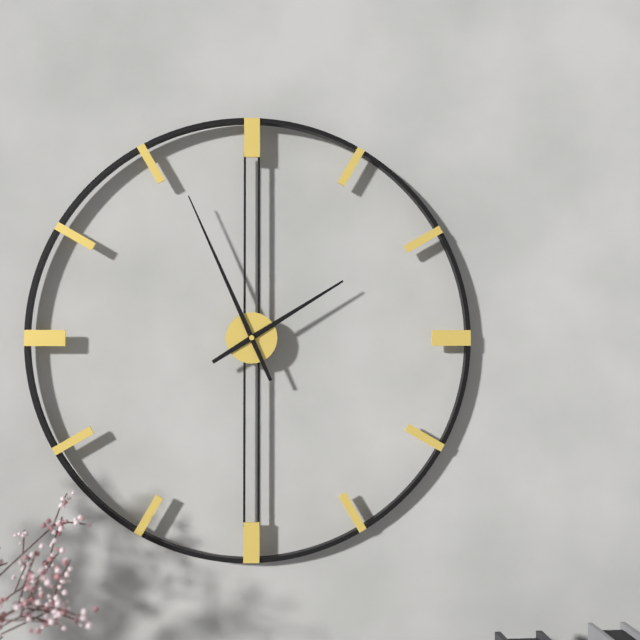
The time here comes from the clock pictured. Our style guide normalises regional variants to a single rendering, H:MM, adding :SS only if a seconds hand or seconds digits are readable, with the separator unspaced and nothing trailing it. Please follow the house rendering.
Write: 1:56
